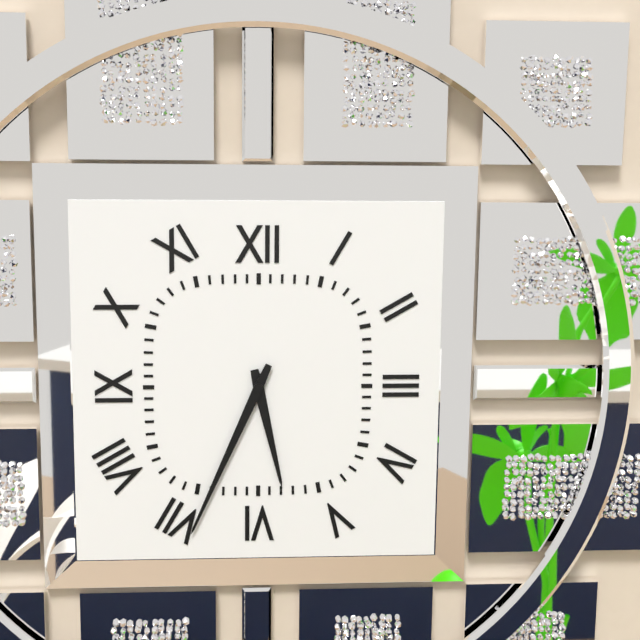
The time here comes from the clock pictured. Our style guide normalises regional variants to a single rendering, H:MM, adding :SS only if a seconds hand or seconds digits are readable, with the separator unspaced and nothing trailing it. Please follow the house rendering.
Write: 5:34
